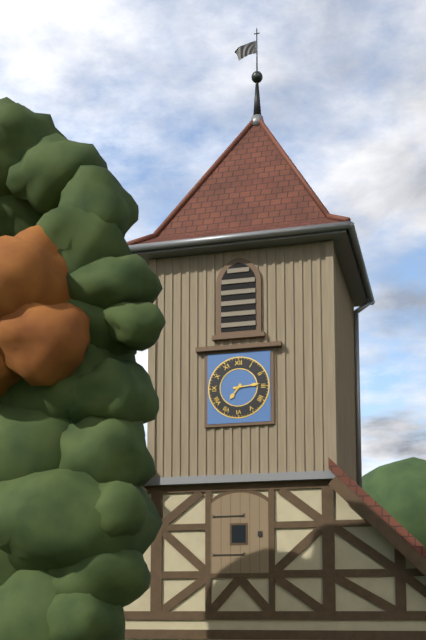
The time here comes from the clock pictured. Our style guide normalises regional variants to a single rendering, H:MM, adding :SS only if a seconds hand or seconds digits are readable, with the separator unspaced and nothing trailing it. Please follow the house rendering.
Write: 7:14
